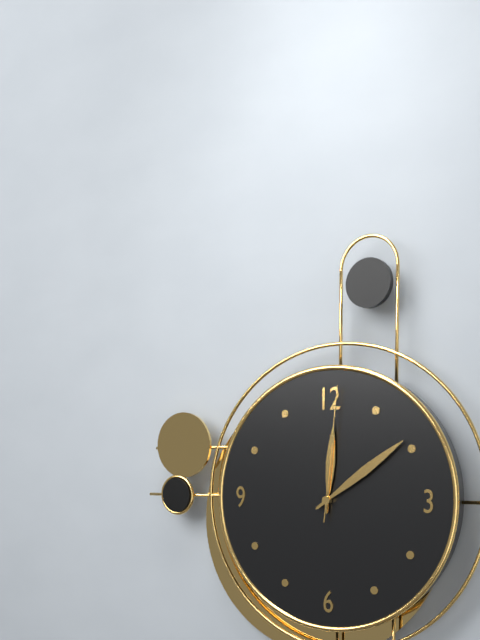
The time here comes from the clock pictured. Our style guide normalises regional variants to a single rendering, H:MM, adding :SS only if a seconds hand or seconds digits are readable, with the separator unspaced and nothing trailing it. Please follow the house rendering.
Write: 12:09:01
